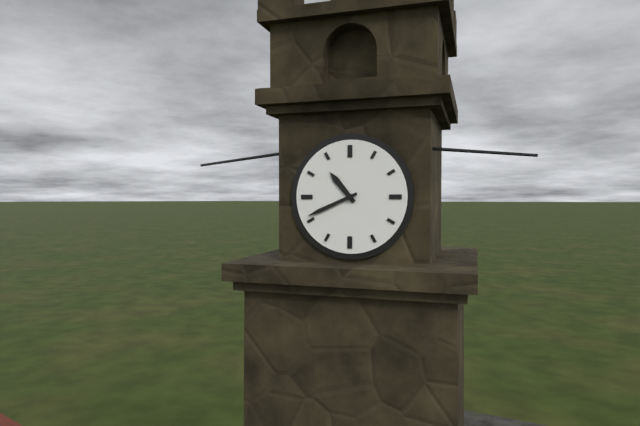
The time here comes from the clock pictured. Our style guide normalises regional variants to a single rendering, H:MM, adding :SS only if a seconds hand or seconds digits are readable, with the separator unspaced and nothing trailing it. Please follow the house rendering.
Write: 10:41
